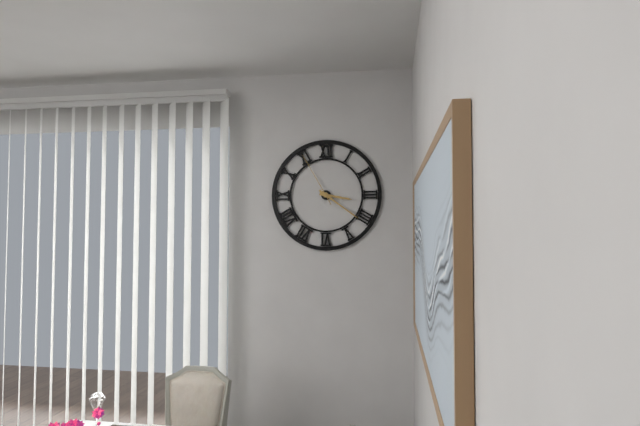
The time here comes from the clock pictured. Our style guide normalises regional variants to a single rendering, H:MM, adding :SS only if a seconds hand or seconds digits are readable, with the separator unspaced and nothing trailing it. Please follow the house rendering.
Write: 3:21:55
